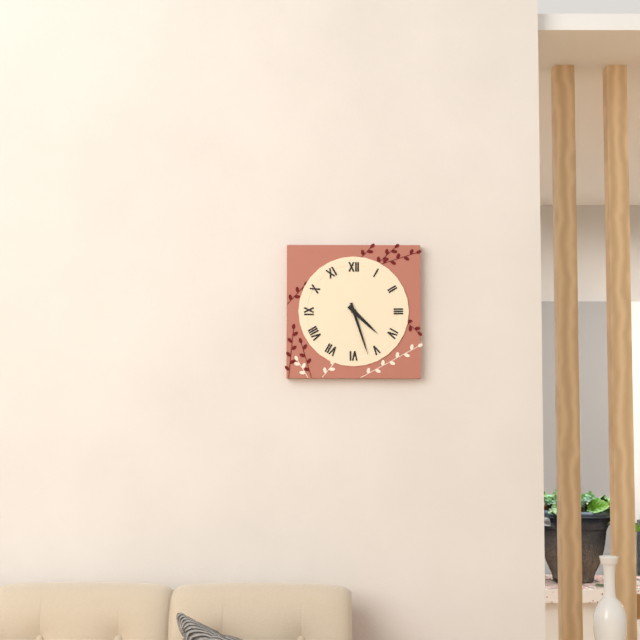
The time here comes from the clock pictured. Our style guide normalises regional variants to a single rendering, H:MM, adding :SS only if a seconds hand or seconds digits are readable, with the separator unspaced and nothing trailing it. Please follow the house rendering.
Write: 4:27
